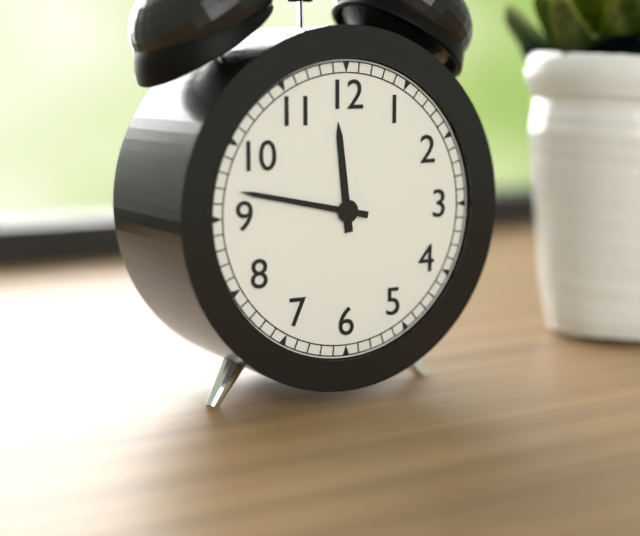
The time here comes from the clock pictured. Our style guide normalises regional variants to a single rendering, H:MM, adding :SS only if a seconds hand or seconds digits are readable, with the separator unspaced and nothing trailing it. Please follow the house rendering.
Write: 11:47
